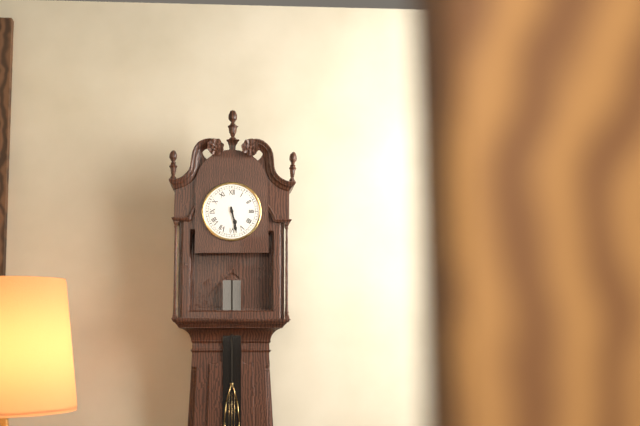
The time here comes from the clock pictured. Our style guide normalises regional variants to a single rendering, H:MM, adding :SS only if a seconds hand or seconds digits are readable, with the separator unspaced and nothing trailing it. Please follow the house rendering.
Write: 5:28
